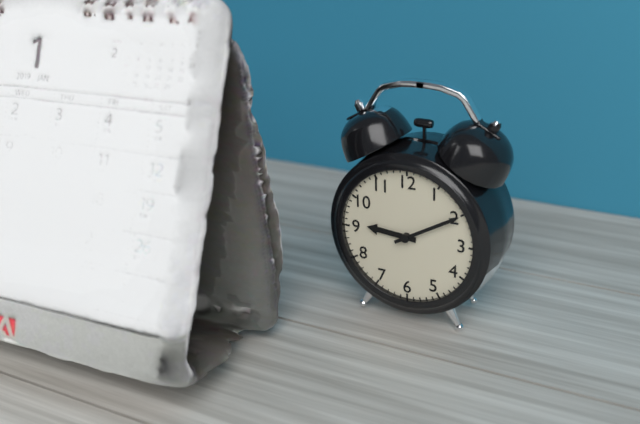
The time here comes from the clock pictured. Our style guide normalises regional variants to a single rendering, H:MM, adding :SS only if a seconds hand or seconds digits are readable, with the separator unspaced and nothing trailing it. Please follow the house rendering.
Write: 9:10
